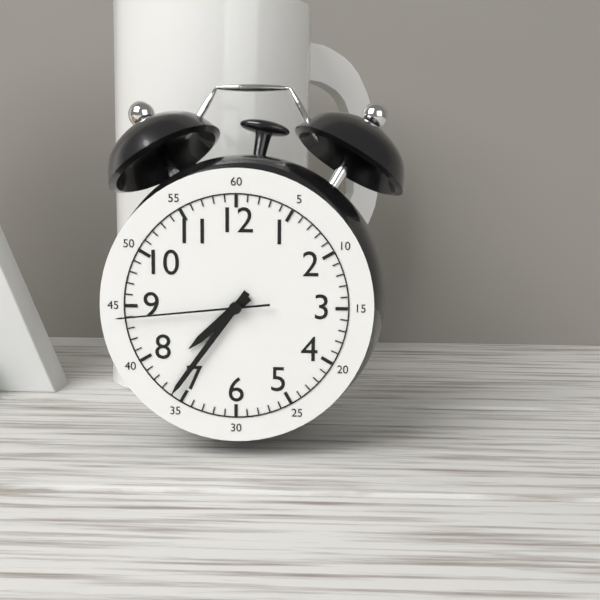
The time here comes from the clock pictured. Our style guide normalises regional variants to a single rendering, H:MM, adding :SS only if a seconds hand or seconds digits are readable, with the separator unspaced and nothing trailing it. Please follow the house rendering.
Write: 7:36:44
